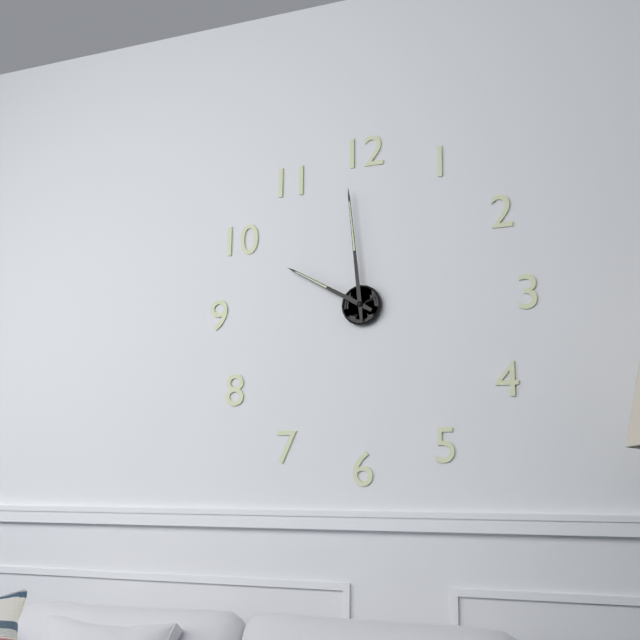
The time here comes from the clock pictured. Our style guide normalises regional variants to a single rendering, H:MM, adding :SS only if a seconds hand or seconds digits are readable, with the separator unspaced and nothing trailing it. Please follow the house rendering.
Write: 9:59
